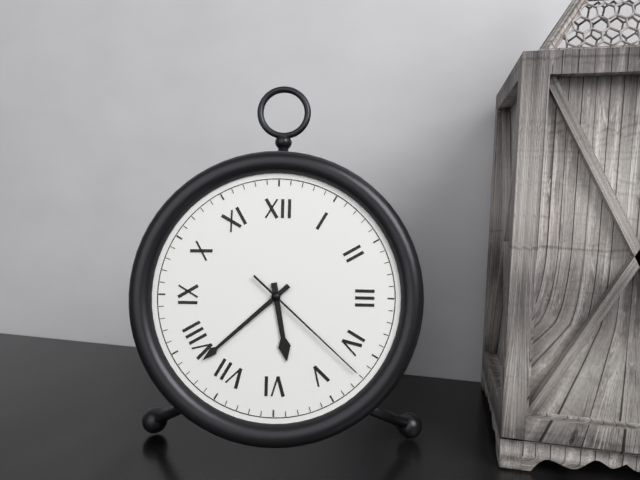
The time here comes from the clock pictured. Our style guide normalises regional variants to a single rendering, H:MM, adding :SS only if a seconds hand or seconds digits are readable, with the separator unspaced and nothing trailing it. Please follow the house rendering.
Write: 5:38:22
